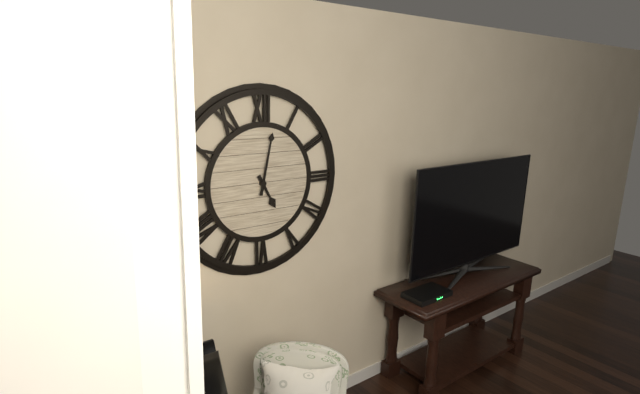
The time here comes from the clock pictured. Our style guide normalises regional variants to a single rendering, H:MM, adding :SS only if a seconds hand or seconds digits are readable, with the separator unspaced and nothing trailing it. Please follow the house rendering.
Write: 5:02
